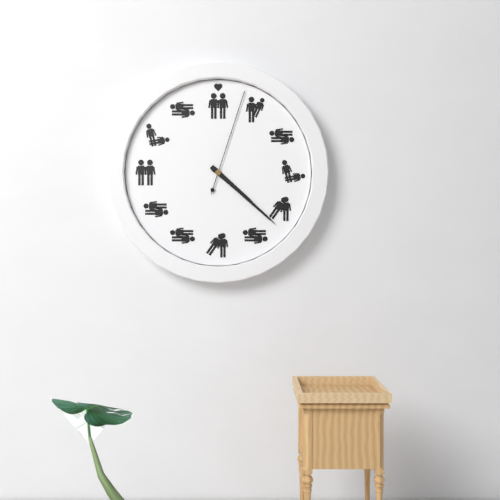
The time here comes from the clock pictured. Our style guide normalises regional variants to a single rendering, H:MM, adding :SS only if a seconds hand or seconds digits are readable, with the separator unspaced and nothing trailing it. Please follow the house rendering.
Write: 4:22:03
